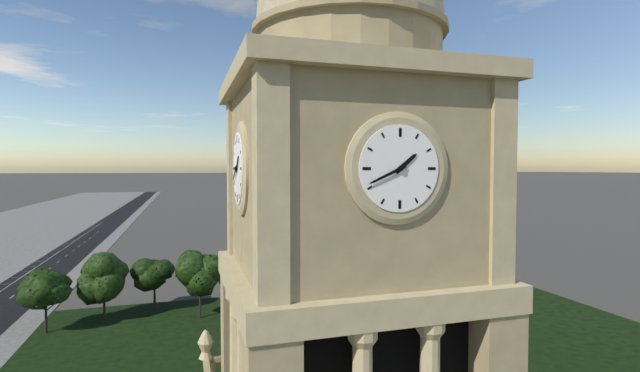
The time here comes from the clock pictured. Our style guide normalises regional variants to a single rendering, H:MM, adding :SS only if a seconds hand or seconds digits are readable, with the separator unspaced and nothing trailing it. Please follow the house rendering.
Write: 1:41
